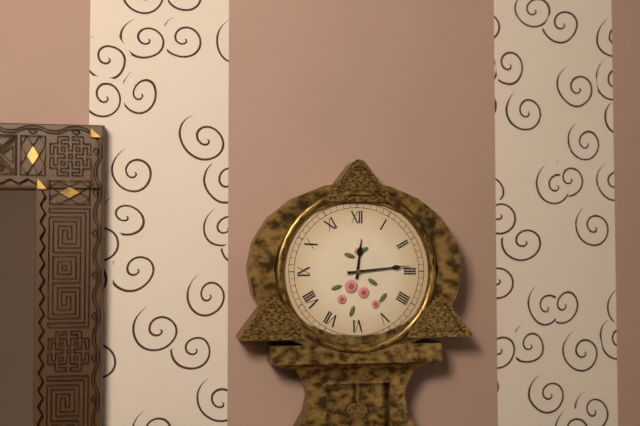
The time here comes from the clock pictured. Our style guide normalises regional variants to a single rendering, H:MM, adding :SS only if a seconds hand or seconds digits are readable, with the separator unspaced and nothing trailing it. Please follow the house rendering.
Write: 12:14
